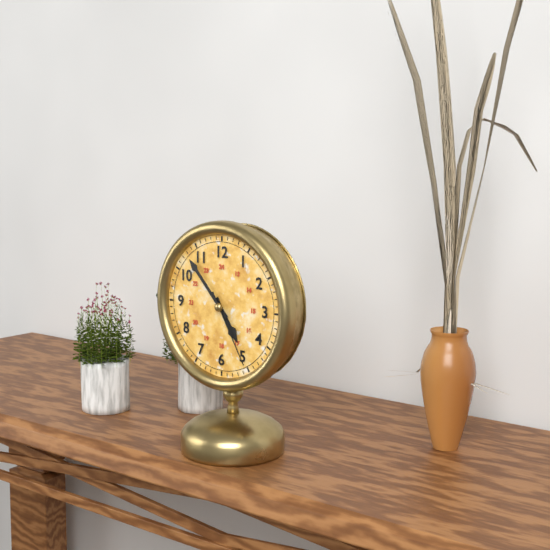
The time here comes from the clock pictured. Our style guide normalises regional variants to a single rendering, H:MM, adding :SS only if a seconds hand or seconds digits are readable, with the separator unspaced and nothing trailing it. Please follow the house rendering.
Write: 4:53:25
